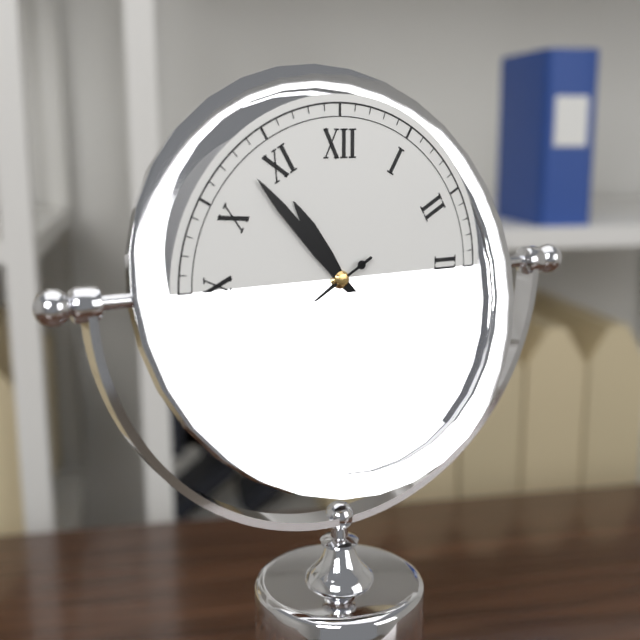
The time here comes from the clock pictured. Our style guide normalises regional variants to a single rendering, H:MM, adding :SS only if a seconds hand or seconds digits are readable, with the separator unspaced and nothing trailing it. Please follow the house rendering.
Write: 10:53
